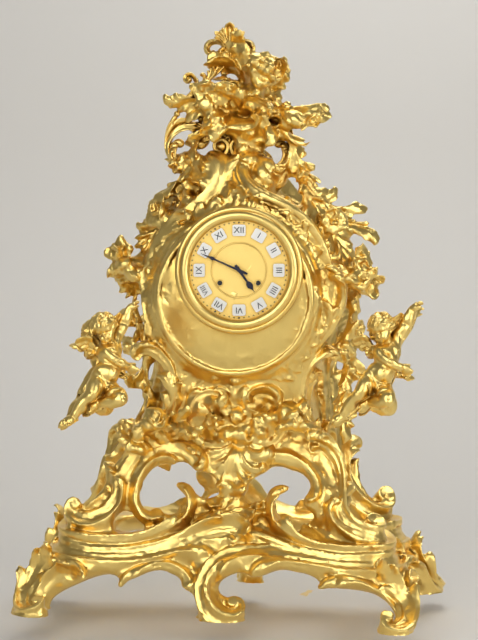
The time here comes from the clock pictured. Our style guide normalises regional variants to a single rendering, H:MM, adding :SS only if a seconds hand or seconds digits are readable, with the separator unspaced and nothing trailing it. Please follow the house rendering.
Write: 4:49
